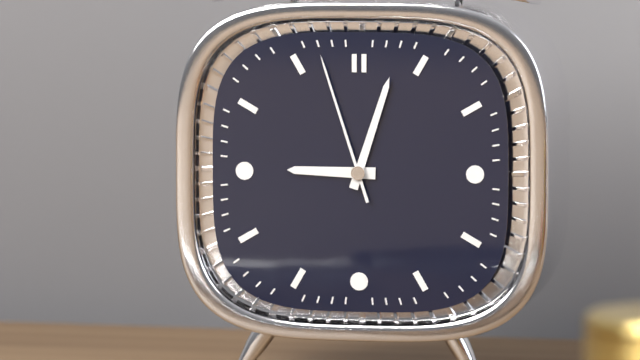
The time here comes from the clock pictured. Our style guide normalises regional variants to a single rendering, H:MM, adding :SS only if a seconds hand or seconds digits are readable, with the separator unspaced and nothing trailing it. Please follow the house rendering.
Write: 9:03:57
